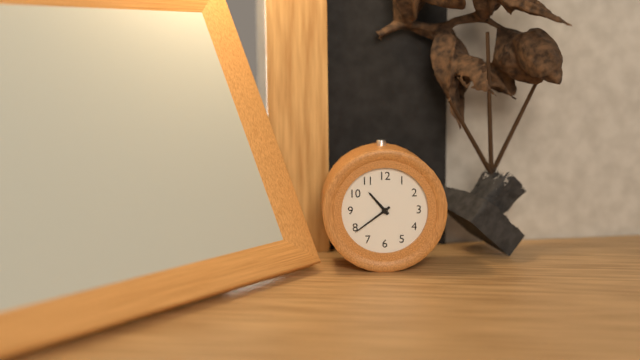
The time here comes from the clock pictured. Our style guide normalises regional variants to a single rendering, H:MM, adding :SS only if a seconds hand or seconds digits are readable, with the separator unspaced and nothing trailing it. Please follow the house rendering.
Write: 10:39
